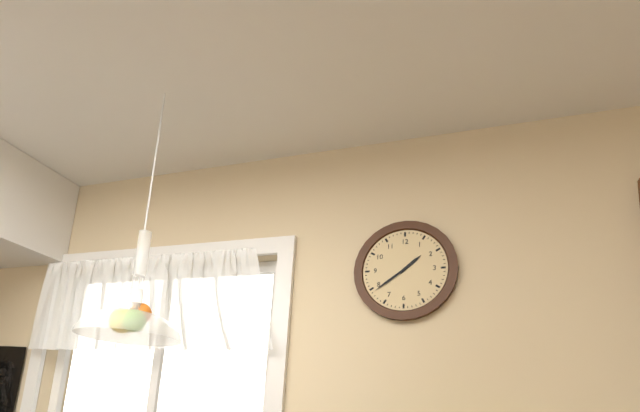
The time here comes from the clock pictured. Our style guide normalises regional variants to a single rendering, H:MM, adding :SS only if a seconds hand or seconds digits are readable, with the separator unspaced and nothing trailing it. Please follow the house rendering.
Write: 1:39
